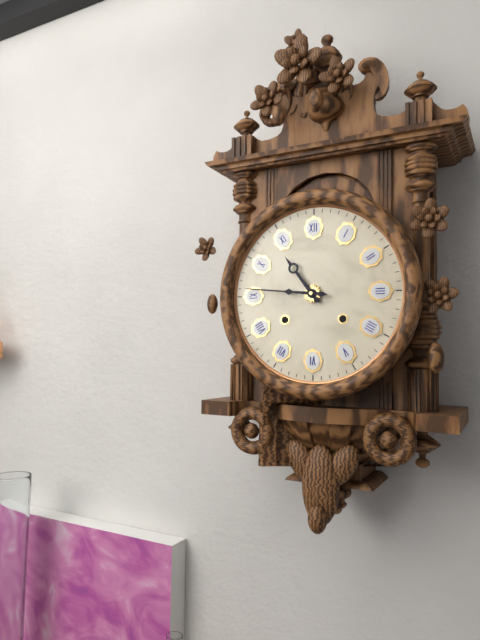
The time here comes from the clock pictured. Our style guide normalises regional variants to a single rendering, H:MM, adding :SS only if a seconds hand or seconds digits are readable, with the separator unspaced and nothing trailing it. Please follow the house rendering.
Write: 10:46
